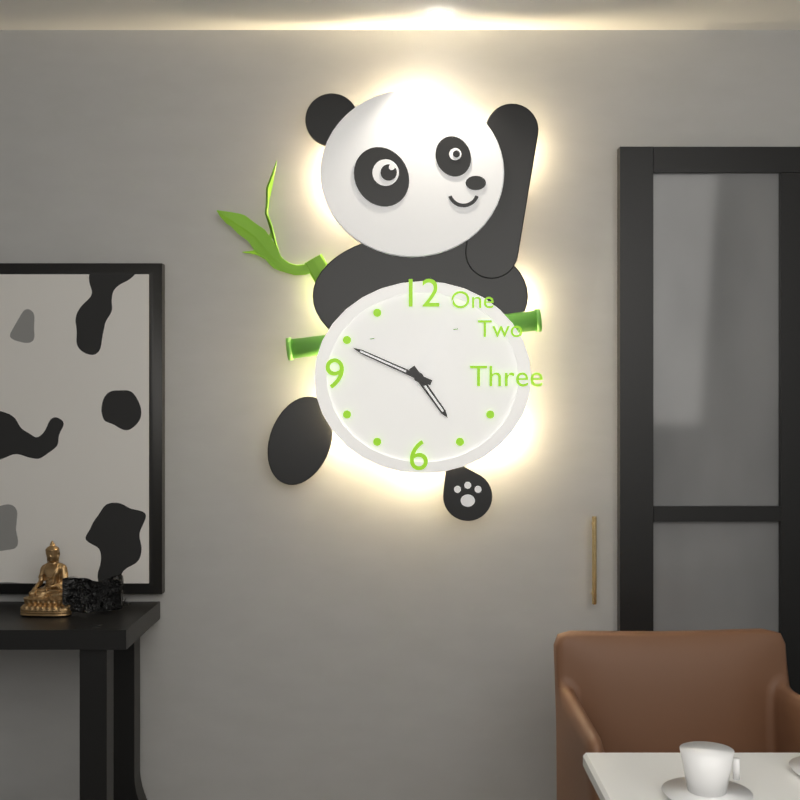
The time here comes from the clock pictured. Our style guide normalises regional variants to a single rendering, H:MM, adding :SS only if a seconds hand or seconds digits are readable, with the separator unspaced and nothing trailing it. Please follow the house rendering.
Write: 4:49:04
